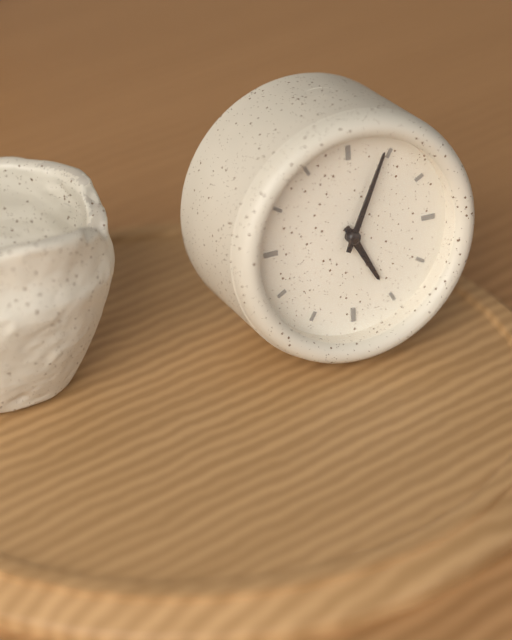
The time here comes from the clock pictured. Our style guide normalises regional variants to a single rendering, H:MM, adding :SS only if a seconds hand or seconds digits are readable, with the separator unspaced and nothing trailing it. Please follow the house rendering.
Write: 5:04
